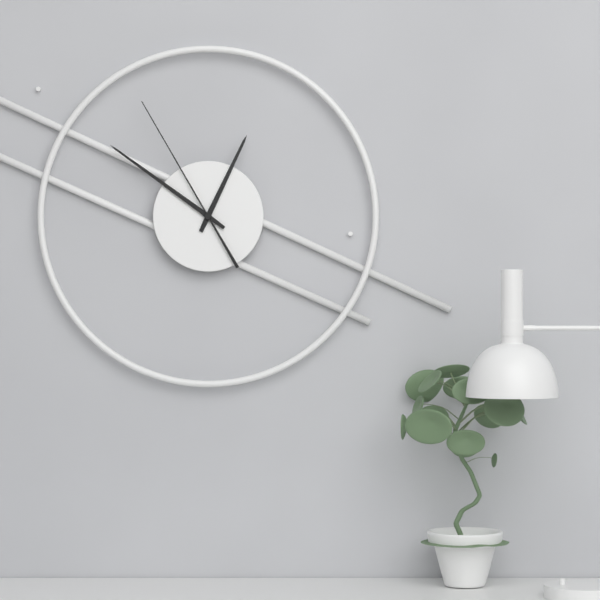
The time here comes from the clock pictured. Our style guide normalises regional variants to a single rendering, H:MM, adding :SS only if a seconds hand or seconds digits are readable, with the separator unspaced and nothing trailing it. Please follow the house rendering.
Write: 12:51:55
